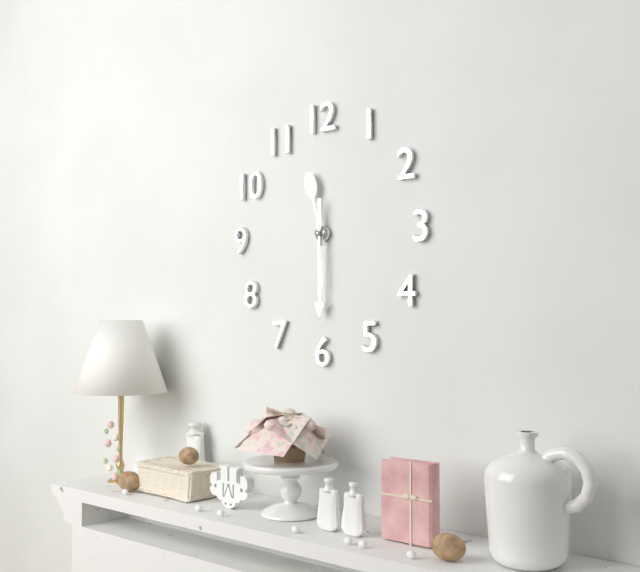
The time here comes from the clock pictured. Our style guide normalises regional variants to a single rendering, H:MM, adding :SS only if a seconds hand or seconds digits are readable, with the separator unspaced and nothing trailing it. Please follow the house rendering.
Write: 11:30:29
